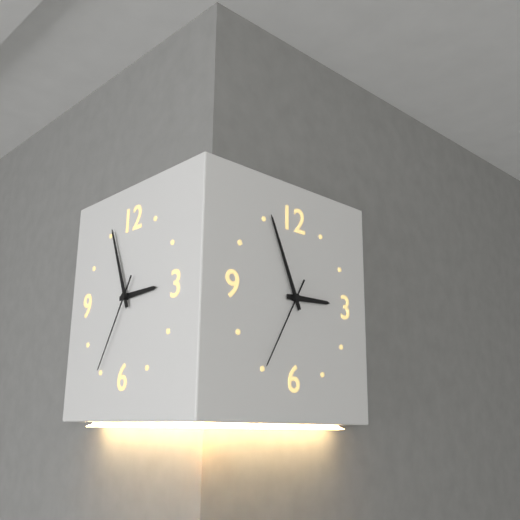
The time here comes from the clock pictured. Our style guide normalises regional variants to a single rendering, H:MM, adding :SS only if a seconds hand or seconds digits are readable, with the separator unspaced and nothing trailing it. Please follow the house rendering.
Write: 2:56:35
